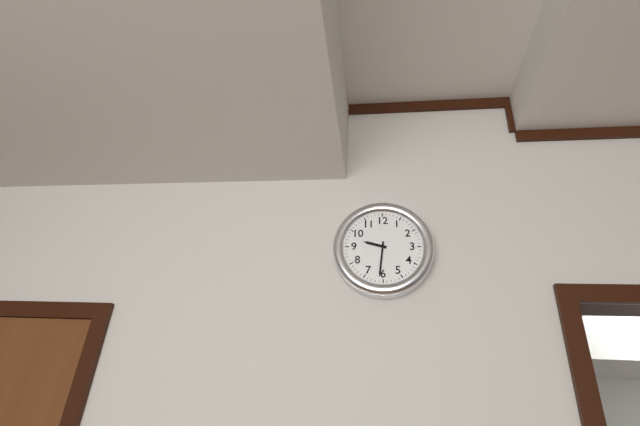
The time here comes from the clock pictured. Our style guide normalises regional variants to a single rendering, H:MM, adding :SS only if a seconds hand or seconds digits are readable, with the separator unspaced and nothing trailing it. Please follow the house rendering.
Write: 9:31
